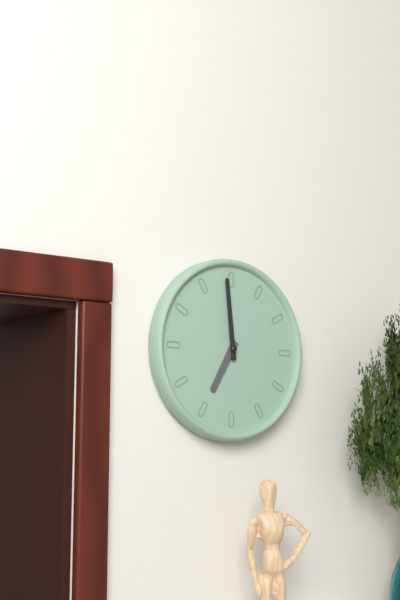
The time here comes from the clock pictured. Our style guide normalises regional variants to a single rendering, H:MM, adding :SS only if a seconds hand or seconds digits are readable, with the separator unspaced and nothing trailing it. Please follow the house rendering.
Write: 6:59
